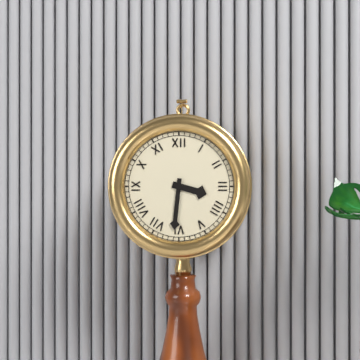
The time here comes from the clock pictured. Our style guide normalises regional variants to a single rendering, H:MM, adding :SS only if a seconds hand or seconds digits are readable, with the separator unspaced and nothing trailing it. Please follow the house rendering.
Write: 3:31
